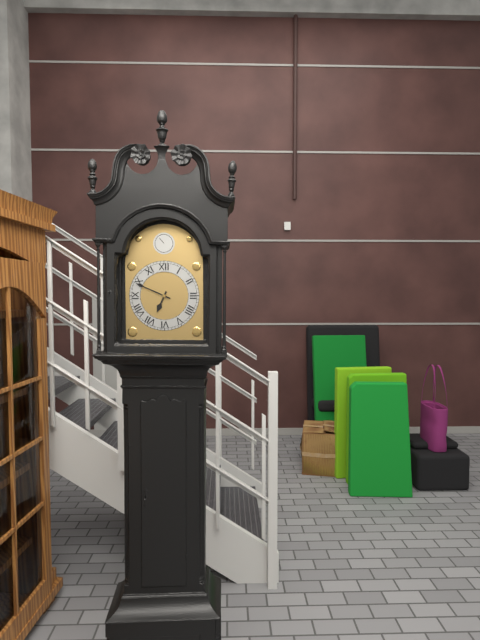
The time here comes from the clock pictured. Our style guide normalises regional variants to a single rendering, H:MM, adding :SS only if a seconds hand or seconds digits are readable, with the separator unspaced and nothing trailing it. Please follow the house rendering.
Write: 6:49
